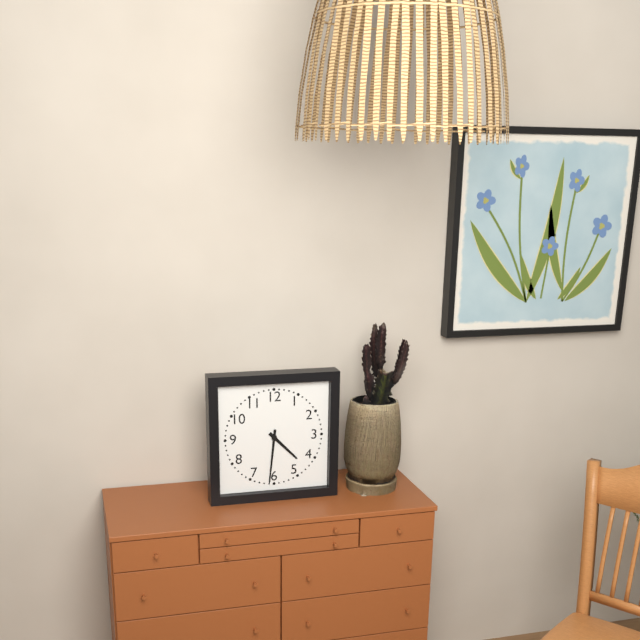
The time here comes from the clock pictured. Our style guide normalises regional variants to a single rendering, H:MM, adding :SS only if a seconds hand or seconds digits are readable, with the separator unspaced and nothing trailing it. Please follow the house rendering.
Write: 4:31
